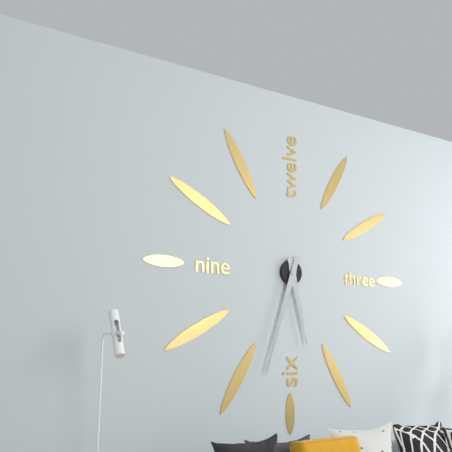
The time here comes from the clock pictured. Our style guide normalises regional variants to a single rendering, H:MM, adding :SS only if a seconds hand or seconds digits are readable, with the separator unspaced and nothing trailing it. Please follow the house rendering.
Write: 5:33
